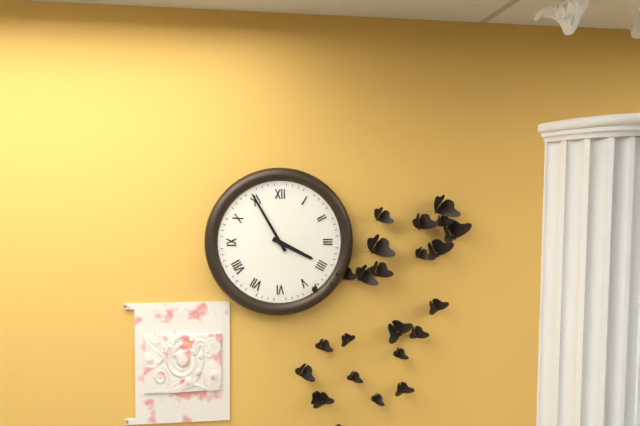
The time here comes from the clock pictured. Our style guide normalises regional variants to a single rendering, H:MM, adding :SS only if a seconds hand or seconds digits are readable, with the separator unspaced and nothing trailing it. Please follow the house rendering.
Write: 3:55
